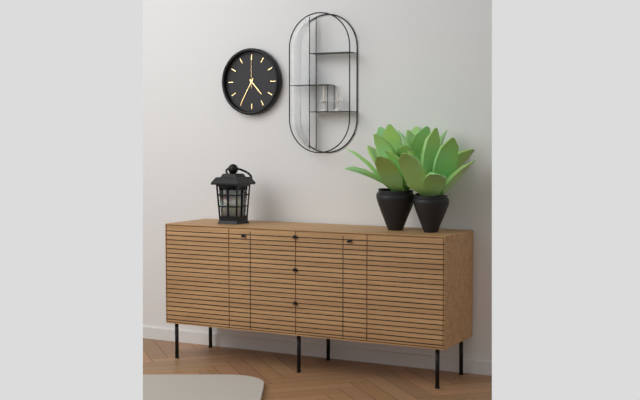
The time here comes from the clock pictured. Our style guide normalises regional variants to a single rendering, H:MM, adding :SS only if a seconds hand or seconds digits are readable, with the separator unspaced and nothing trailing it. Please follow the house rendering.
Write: 4:35
